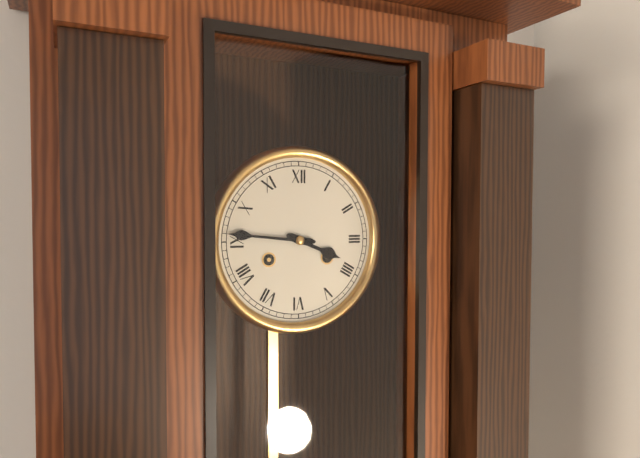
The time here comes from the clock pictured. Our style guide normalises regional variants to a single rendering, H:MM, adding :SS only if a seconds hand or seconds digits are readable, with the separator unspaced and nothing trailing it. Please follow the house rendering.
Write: 3:46
